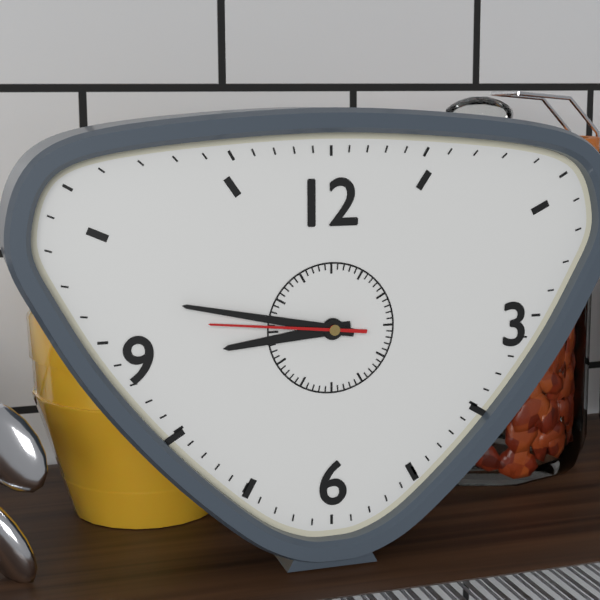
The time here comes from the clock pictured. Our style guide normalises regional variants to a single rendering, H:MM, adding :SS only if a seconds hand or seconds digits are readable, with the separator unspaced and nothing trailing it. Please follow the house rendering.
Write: 8:47:46
